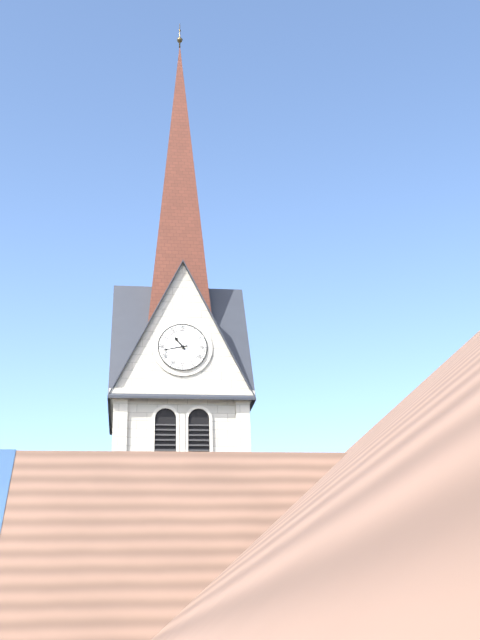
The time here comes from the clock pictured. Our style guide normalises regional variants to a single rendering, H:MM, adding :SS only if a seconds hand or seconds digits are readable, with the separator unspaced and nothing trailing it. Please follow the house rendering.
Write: 10:43
